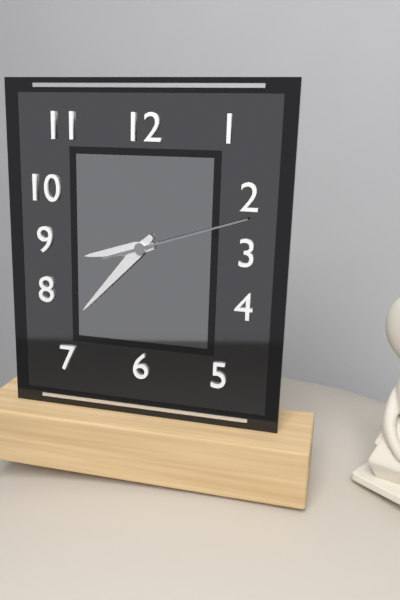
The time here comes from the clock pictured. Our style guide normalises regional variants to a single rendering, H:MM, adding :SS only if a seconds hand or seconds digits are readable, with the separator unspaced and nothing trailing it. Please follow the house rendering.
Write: 8:37:12
